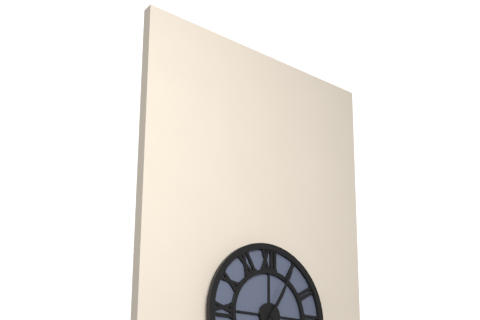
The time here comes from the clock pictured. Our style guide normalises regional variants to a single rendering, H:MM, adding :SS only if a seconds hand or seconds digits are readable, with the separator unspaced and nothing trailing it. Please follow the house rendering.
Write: 1:05
